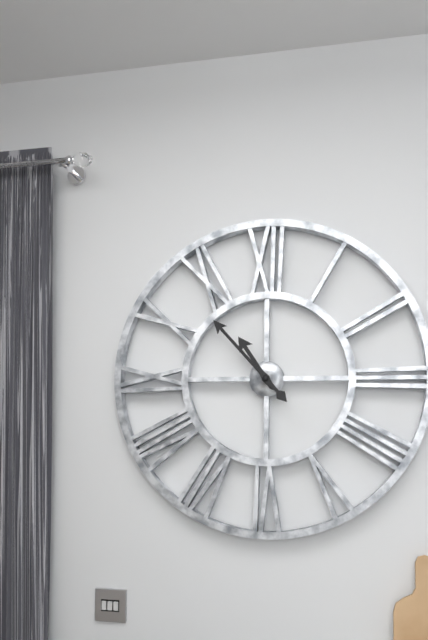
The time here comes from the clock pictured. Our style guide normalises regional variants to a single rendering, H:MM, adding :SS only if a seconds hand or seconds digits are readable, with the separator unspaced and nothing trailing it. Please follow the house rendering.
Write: 10:53
